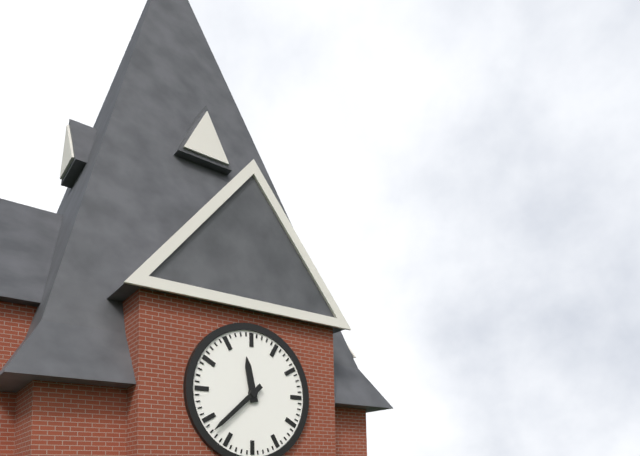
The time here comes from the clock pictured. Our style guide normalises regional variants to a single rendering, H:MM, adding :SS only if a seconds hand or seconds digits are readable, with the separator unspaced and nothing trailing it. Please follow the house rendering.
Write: 11:38
